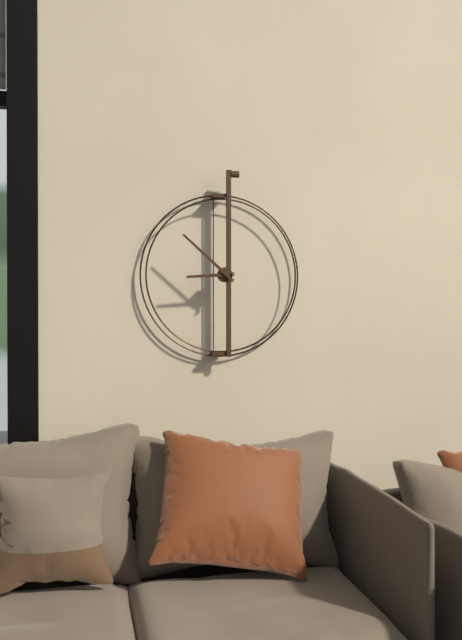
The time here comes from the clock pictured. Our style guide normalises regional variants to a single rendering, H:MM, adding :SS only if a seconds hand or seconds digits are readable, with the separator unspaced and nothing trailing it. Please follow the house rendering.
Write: 8:52
